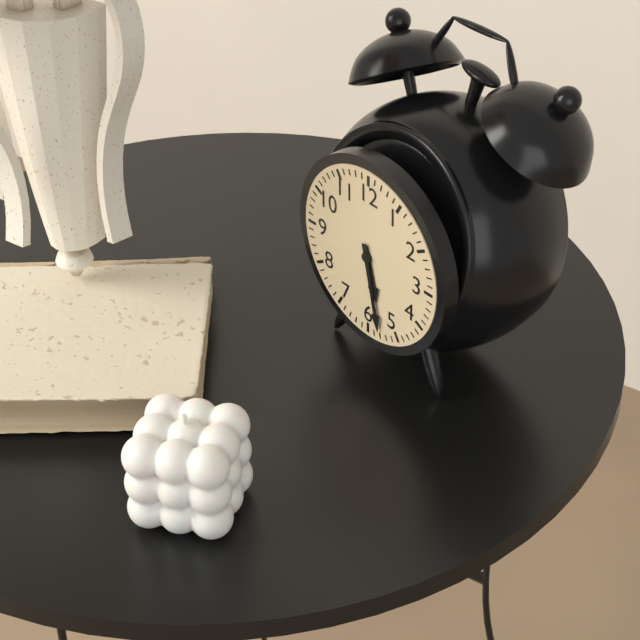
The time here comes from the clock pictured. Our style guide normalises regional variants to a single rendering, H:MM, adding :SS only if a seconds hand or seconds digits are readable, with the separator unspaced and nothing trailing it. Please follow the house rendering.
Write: 5:28
